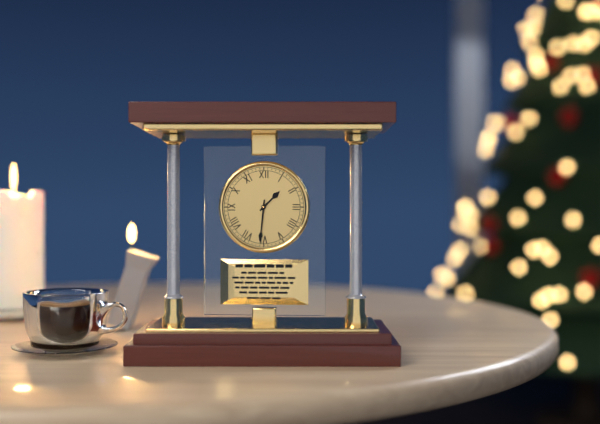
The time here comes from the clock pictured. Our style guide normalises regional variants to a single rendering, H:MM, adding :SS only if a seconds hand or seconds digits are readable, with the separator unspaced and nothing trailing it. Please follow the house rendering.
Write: 1:31
